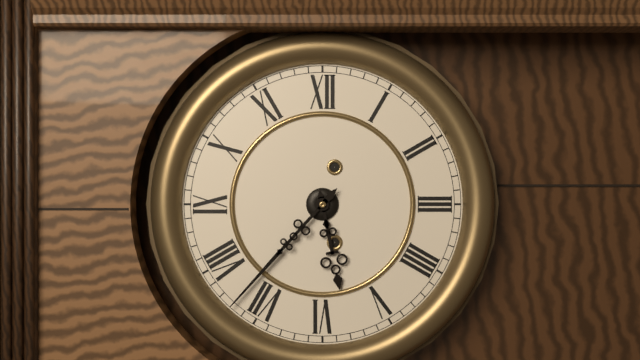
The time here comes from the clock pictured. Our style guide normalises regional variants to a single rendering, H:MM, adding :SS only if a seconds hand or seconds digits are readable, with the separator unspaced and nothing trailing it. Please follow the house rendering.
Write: 5:37
